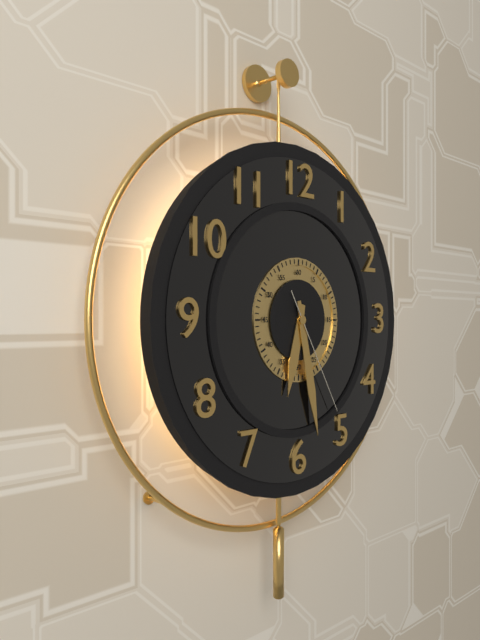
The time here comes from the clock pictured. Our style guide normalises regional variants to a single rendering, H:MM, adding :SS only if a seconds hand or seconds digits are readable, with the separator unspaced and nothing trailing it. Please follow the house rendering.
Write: 6:28:25
